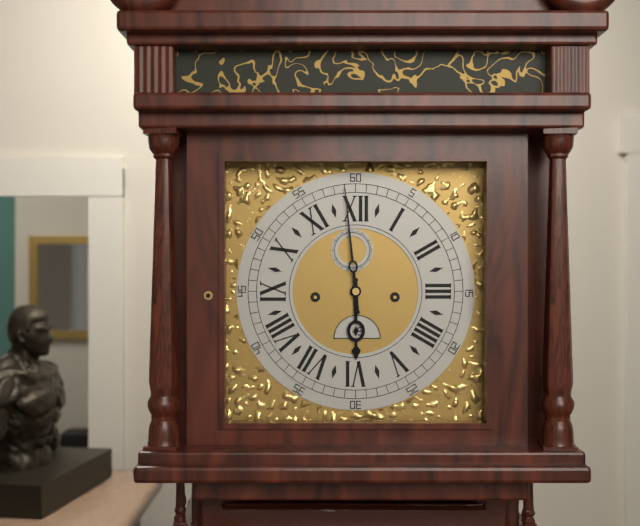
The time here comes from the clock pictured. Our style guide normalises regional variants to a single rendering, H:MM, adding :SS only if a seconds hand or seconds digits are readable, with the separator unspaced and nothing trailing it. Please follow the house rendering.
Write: 5:59
